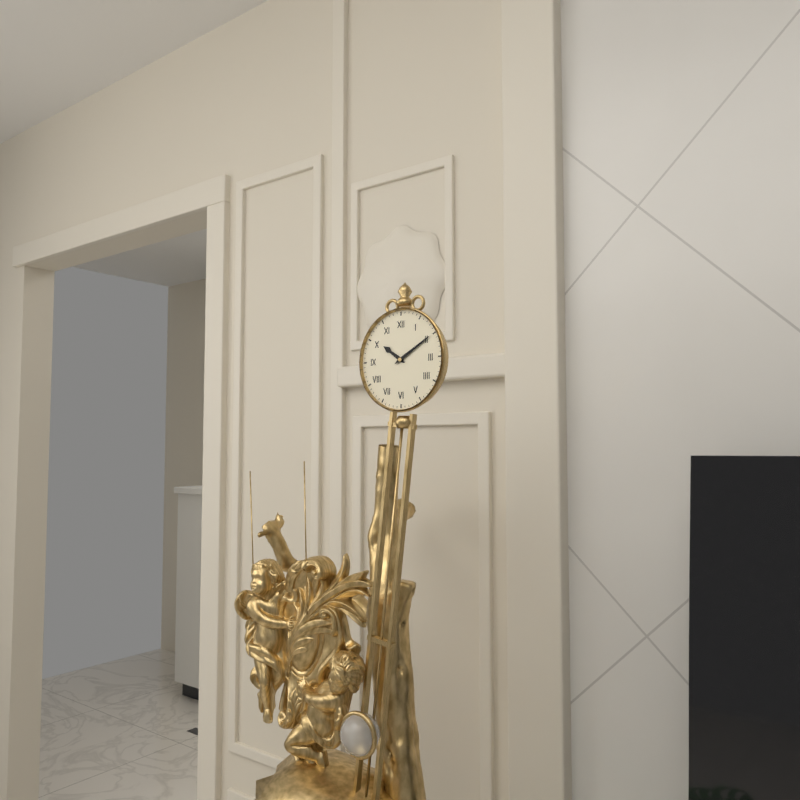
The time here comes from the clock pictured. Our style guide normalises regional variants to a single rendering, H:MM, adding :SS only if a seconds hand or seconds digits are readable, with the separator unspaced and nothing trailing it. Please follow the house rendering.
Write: 10:10
